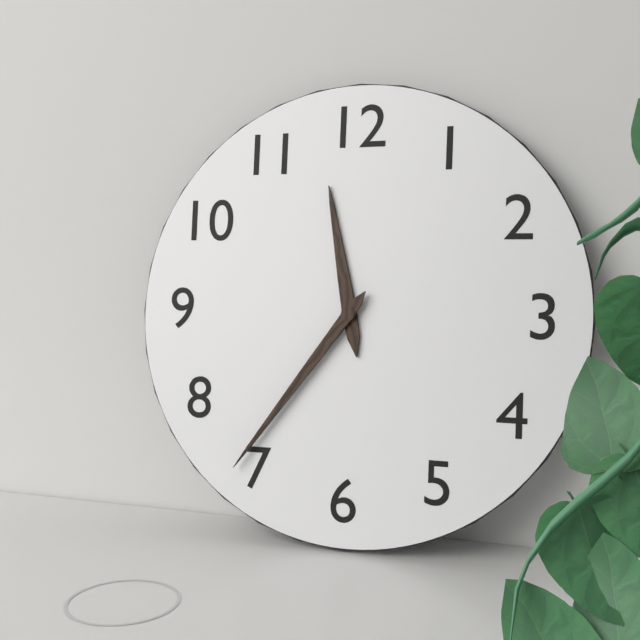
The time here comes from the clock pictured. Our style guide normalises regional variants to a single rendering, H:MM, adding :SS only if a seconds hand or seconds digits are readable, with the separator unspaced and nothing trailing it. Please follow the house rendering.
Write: 11:36
